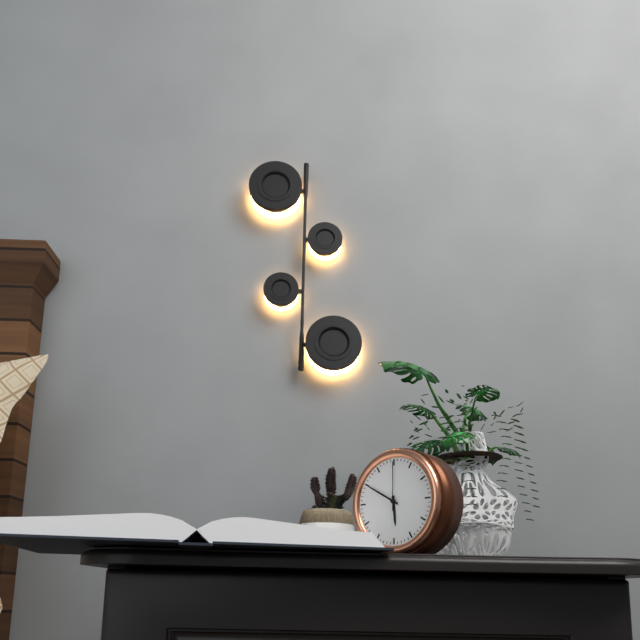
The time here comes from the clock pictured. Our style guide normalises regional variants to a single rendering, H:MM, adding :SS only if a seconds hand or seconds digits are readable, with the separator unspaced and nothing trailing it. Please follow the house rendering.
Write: 5:50:00
